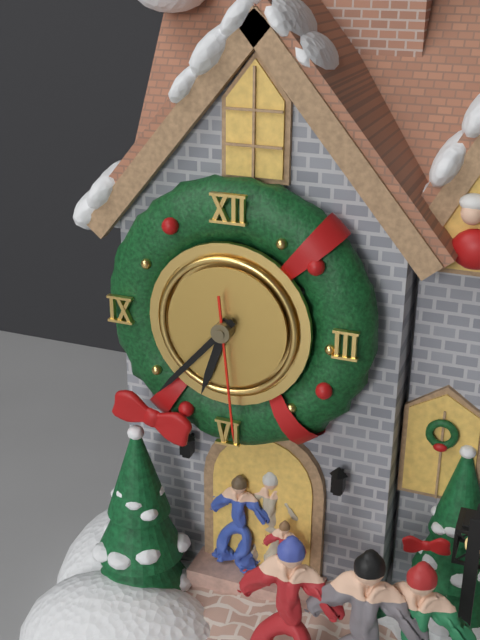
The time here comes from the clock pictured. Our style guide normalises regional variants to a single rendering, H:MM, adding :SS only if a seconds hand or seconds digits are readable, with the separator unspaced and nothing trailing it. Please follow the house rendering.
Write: 6:37:29
